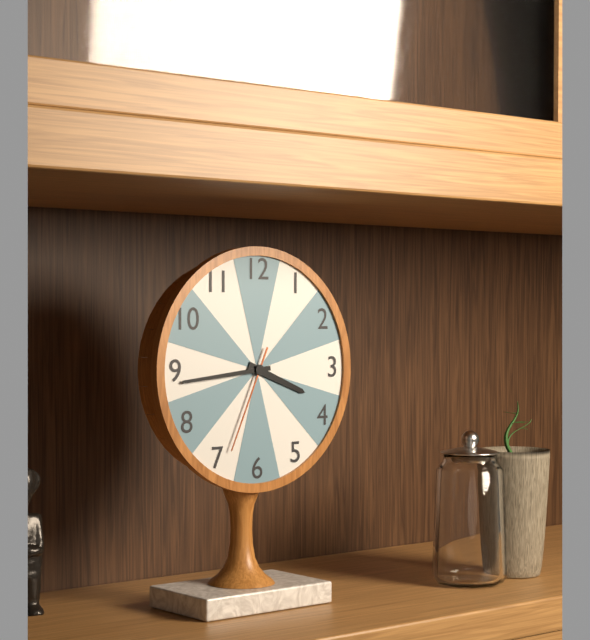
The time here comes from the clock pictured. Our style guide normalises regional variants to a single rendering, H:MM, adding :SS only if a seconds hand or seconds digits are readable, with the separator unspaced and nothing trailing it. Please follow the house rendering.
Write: 3:44:34
